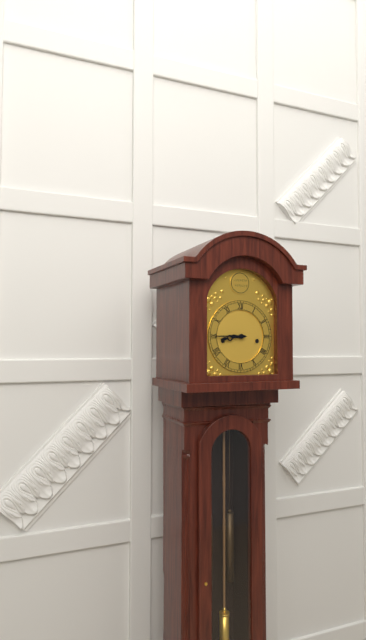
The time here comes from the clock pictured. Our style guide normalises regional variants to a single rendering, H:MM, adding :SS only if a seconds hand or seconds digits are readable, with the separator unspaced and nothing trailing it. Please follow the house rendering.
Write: 8:45
